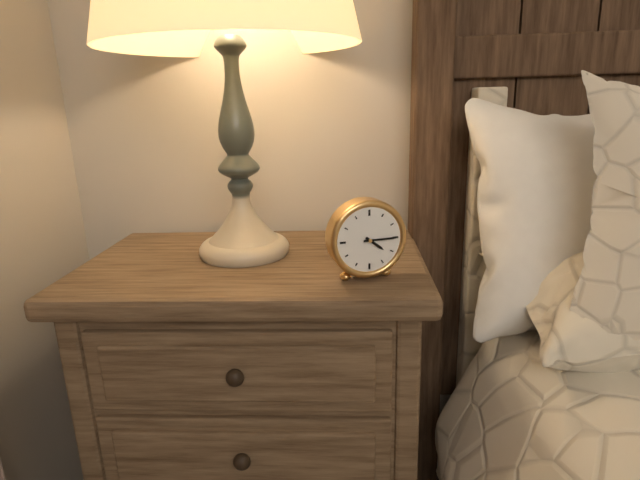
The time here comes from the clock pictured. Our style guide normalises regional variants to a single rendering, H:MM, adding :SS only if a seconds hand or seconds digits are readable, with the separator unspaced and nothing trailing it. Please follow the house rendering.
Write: 4:15
